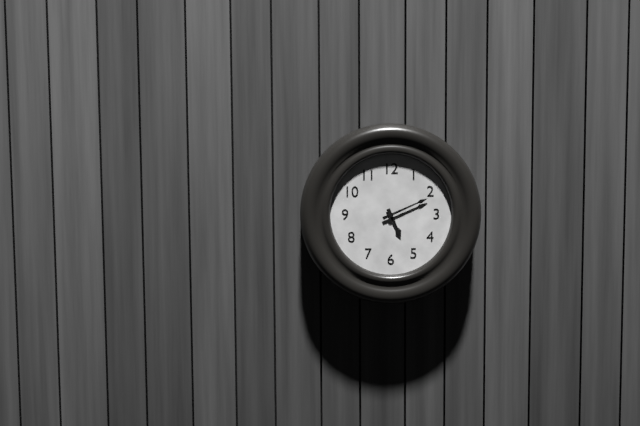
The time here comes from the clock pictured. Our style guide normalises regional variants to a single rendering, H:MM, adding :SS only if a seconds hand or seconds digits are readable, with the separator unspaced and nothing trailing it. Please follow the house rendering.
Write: 5:11
